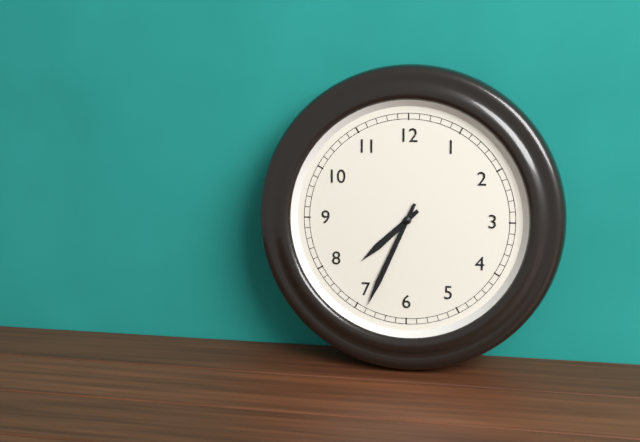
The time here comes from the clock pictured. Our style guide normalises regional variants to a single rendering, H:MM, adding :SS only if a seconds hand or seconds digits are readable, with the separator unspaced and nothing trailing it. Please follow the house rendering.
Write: 7:34
